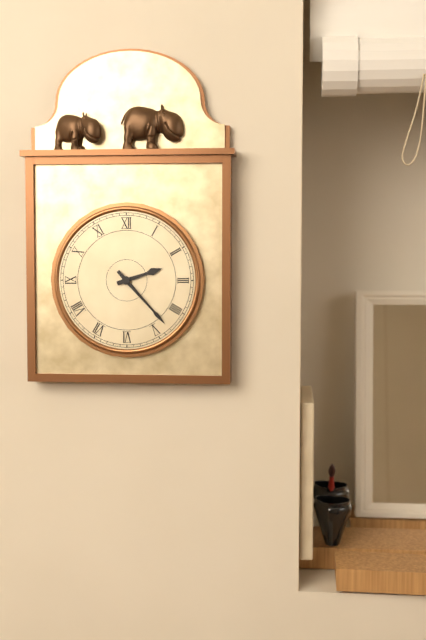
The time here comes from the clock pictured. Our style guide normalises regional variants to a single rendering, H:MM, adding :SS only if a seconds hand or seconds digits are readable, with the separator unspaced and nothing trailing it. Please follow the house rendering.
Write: 2:23
